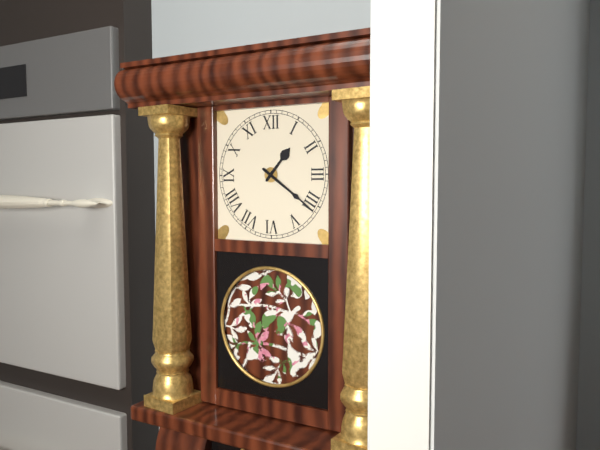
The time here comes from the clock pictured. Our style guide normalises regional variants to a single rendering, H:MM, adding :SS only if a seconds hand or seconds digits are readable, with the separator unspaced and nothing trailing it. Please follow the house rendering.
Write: 1:21
